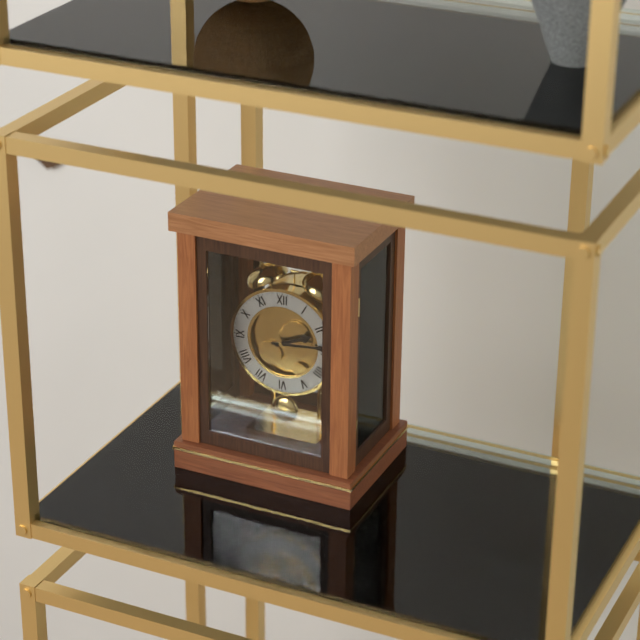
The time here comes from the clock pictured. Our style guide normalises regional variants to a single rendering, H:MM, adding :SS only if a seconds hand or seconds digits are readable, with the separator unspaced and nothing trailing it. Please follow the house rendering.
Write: 2:14
